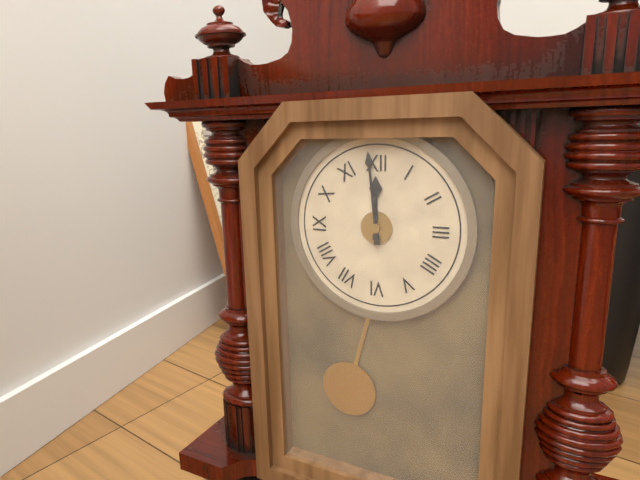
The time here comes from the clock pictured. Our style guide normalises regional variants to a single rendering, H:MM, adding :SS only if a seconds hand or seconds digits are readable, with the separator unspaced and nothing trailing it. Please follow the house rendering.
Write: 11:59
